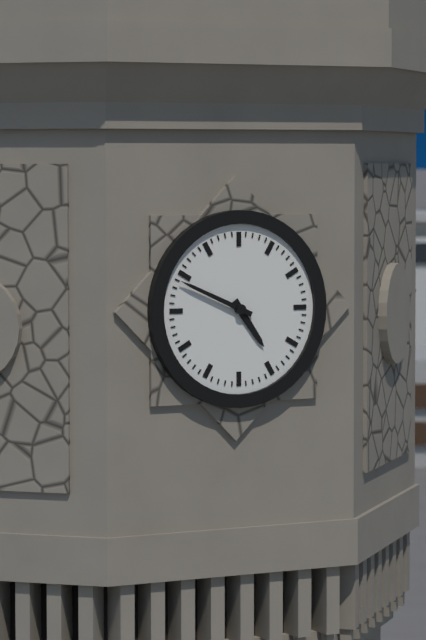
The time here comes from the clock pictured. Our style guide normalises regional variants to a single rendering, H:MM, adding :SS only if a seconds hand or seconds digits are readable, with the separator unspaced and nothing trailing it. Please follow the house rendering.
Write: 4:49
